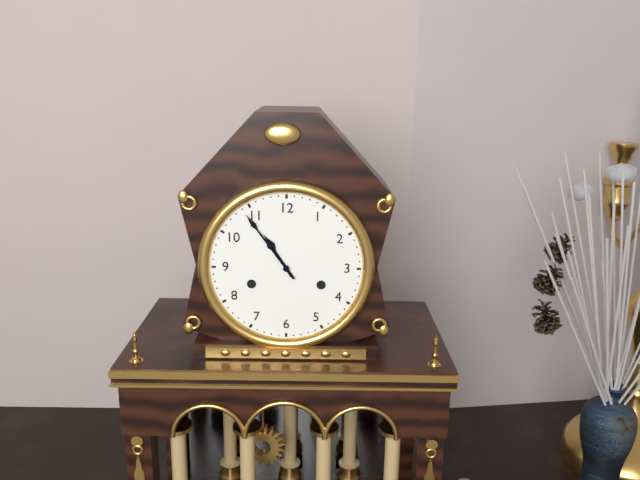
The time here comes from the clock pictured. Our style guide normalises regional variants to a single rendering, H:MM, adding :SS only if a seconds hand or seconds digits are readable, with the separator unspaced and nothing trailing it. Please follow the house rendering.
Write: 10:54
